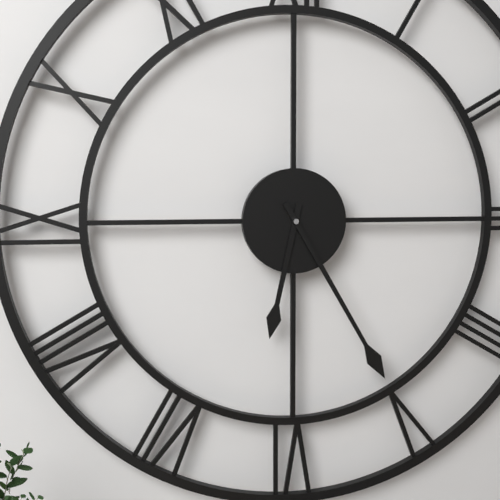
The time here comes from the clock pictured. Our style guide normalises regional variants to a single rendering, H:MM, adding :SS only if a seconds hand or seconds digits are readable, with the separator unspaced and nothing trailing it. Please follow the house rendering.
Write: 6:25
